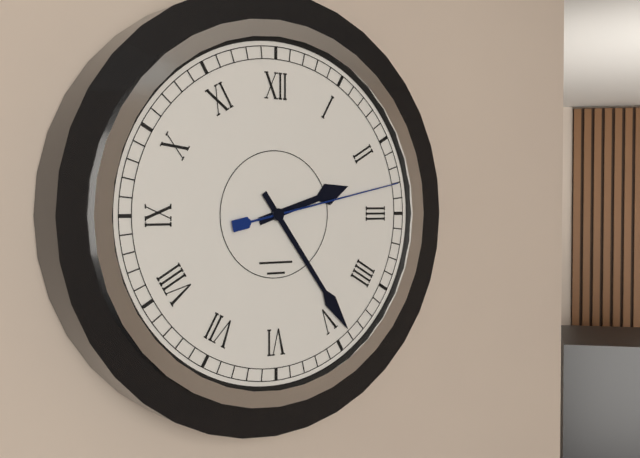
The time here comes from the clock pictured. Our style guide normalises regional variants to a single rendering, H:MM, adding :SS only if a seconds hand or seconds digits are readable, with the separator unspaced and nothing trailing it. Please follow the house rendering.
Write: 2:24:13
